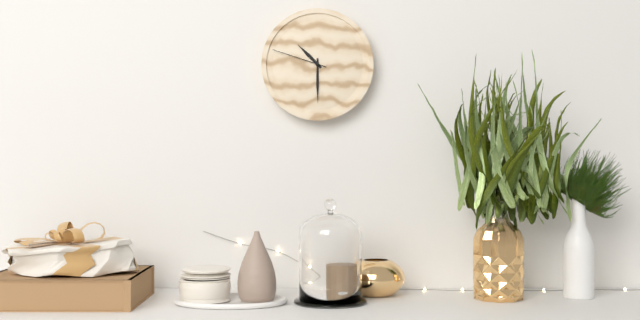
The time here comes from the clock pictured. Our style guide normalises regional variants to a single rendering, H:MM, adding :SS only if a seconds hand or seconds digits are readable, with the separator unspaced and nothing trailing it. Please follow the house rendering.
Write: 10:30:48
